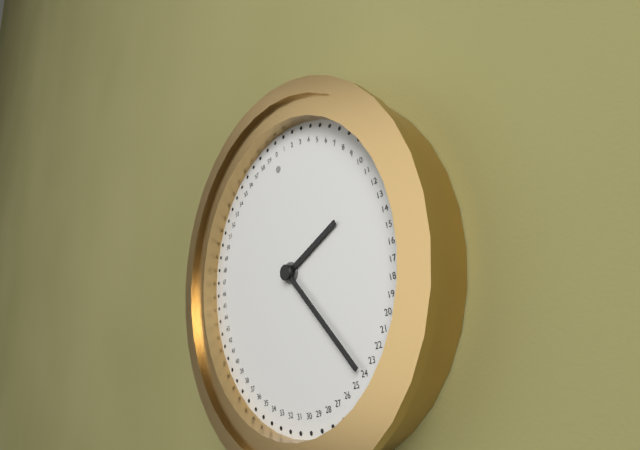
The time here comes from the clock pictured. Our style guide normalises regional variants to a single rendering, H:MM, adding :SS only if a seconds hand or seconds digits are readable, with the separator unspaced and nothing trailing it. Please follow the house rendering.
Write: 2:24
